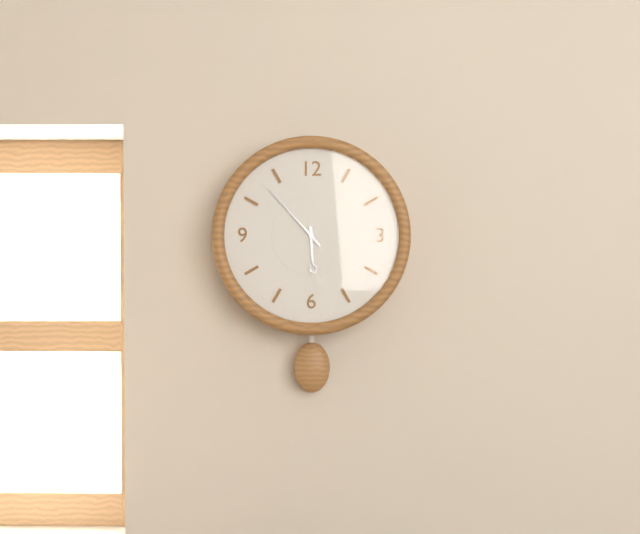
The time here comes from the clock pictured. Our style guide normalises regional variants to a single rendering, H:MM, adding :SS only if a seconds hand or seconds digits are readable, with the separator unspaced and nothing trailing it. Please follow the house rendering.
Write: 5:53
